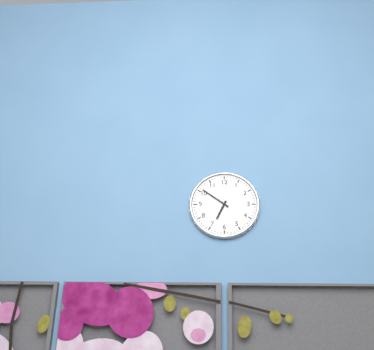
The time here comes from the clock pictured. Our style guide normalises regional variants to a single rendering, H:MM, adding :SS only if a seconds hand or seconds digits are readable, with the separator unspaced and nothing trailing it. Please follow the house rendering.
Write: 6:51
